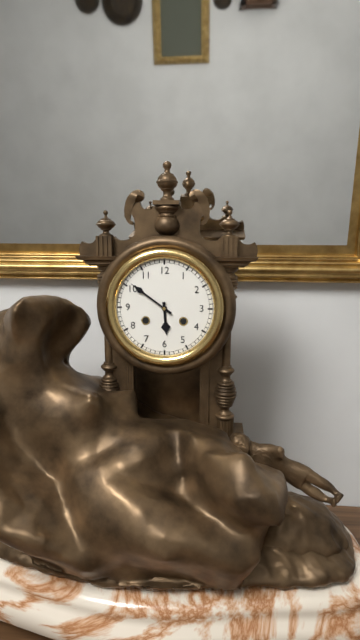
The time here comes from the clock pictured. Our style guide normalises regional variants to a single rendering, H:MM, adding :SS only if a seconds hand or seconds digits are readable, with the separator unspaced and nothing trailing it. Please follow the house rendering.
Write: 5:51
